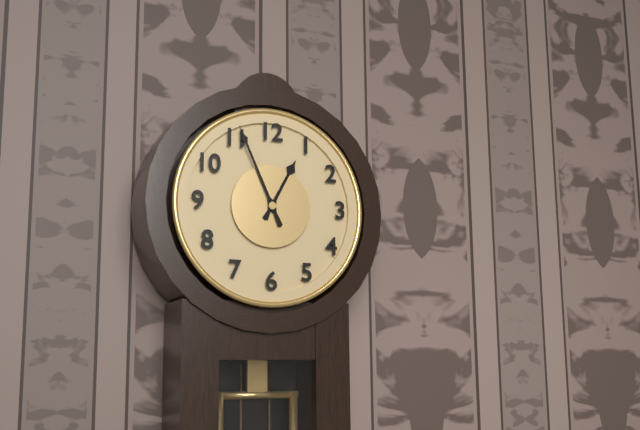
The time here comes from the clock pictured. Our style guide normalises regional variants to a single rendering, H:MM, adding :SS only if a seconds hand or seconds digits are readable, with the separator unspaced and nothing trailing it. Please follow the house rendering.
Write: 12:56
